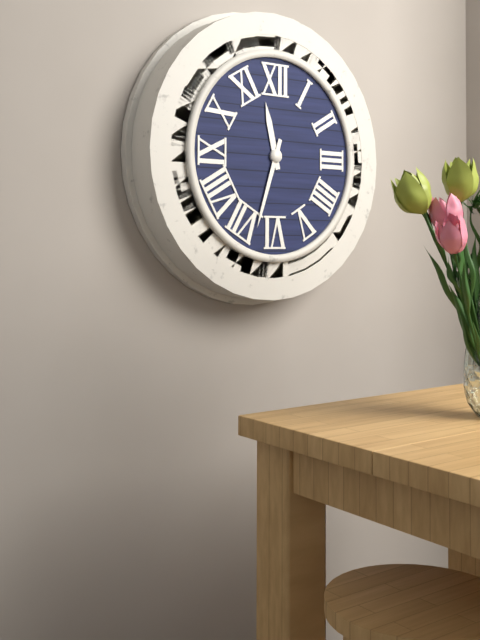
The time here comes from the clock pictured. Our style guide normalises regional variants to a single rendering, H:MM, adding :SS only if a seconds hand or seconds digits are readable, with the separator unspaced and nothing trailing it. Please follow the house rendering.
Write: 11:33
